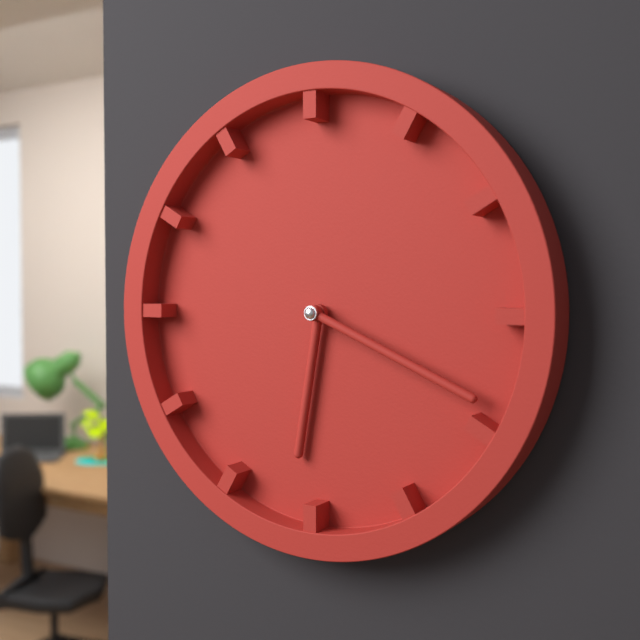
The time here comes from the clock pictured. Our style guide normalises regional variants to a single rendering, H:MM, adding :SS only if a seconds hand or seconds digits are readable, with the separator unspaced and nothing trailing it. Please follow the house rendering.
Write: 6:19
